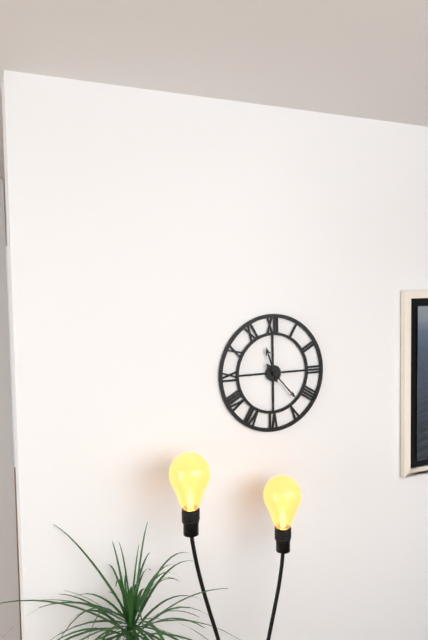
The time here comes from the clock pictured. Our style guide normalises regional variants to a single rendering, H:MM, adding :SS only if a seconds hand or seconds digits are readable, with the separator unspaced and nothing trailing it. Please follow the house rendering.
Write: 11:23
